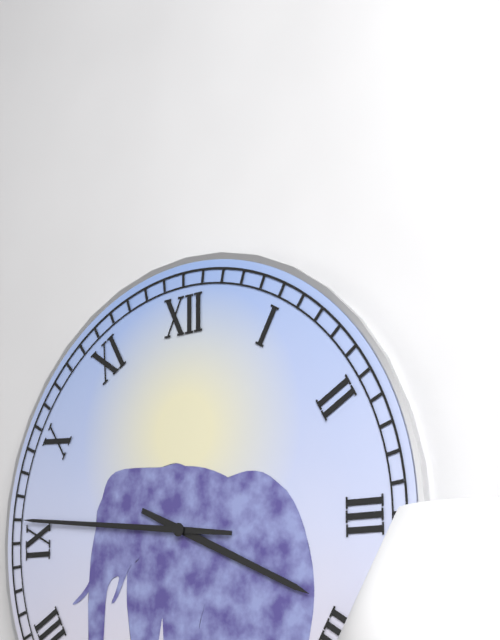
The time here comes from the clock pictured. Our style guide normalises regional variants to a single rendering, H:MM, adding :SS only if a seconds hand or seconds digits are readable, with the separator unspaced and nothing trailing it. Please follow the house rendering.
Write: 3:46
